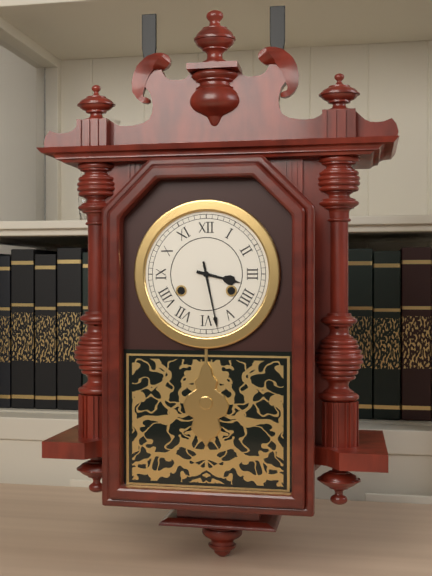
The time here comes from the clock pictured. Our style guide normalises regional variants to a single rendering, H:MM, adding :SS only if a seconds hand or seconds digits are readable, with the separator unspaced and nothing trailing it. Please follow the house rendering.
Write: 3:28
